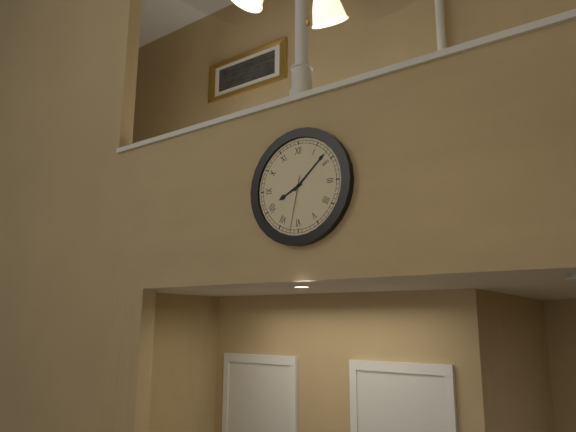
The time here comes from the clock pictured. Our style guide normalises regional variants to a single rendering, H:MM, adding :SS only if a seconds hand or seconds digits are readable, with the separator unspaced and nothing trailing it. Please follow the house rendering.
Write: 8:08:32
